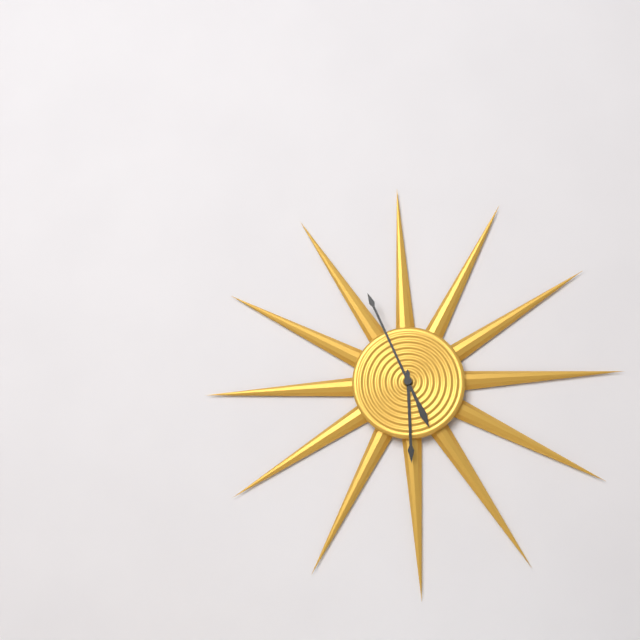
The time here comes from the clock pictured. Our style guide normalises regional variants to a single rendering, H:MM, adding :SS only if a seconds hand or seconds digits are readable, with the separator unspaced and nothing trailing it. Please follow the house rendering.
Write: 5:56
